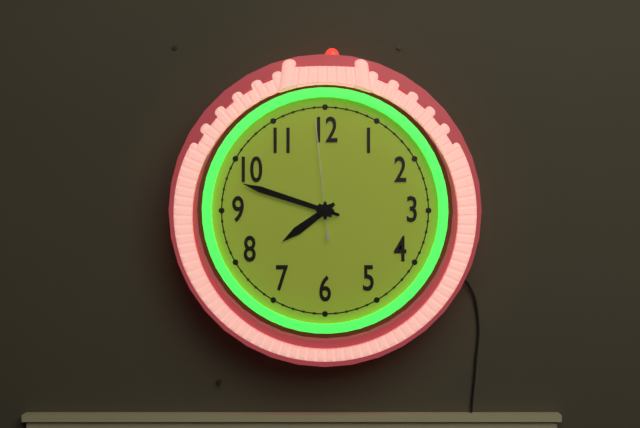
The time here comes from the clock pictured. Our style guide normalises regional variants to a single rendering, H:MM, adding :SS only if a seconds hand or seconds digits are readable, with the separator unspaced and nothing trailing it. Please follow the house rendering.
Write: 7:48:59
